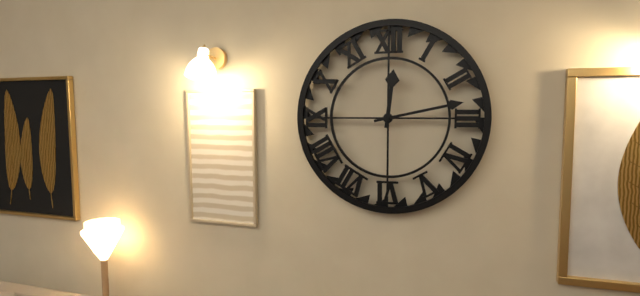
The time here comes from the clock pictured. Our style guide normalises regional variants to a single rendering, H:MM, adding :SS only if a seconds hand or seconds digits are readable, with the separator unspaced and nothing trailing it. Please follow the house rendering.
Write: 12:13
